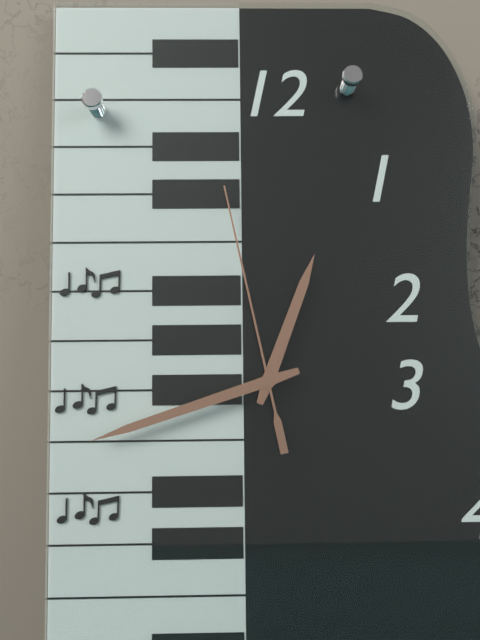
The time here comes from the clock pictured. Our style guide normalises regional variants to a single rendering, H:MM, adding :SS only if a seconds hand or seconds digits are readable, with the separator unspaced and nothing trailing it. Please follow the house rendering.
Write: 12:42:58
